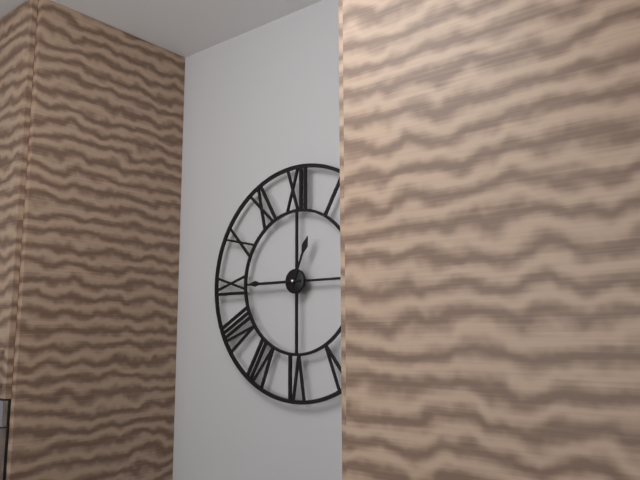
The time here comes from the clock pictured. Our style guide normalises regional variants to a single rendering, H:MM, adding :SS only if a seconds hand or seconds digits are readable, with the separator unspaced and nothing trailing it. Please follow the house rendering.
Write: 12:45
